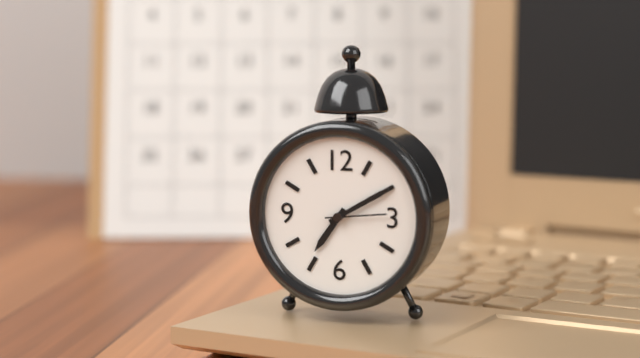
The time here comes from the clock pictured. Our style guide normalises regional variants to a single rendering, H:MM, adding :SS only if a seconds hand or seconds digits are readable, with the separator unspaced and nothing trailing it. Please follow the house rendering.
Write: 7:10
